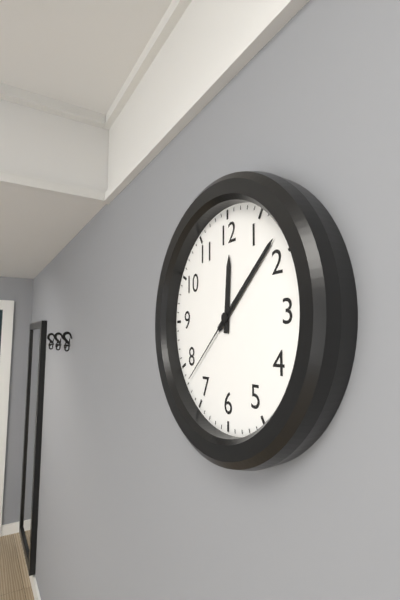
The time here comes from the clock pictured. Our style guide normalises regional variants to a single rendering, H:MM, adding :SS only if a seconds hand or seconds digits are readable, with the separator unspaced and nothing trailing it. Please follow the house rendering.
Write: 12:08:38
